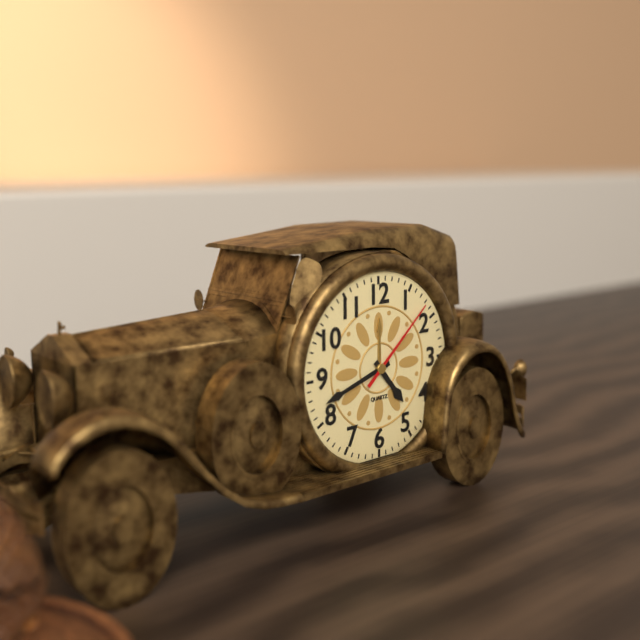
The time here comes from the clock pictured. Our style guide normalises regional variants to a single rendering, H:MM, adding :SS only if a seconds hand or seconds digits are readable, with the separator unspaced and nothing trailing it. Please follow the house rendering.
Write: 4:42:08
